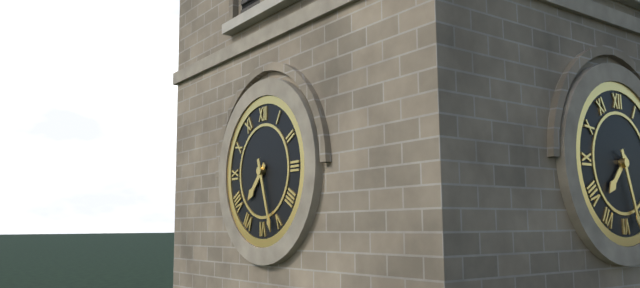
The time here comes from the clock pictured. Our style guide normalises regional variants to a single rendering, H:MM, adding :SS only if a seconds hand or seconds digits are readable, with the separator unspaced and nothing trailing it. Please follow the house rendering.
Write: 7:27
